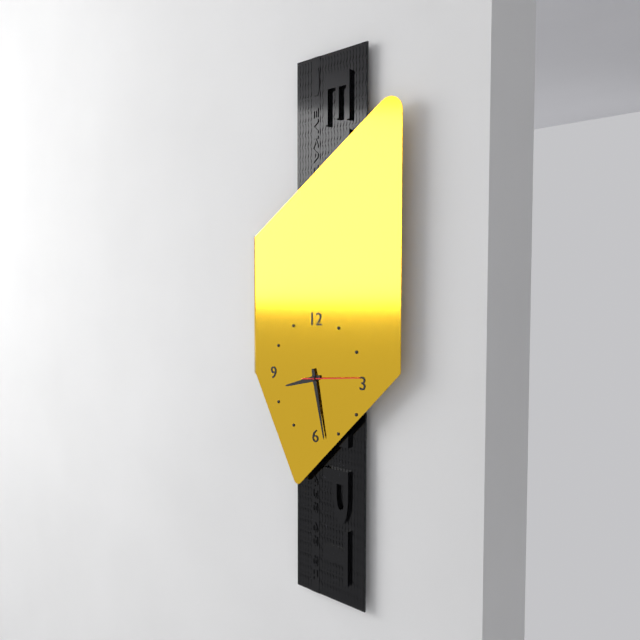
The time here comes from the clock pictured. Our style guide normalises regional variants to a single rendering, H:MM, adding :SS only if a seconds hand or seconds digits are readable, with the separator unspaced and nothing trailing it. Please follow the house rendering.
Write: 8:28:14
